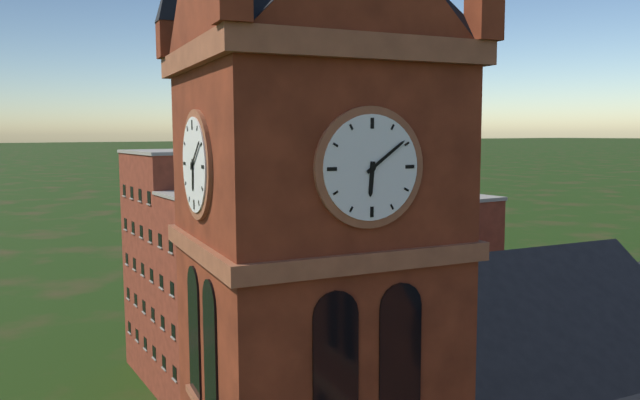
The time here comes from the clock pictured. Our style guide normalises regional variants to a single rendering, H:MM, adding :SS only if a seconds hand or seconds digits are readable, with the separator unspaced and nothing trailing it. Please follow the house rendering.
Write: 6:09
